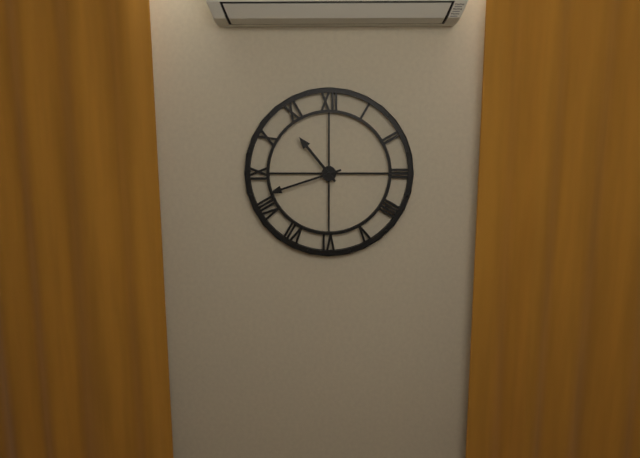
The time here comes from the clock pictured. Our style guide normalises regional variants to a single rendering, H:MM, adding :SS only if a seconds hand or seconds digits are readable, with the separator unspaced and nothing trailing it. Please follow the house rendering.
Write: 10:42
